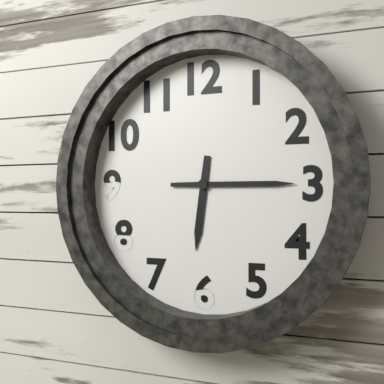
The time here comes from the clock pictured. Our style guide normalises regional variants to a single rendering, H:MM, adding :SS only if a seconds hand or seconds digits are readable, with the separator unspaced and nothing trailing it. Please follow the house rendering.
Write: 6:15
